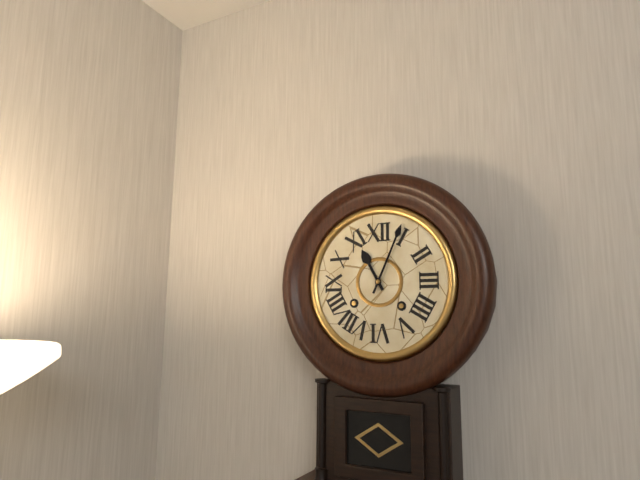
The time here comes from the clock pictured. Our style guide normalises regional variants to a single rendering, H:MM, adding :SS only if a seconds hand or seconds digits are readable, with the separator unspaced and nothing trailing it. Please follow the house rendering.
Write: 11:04
